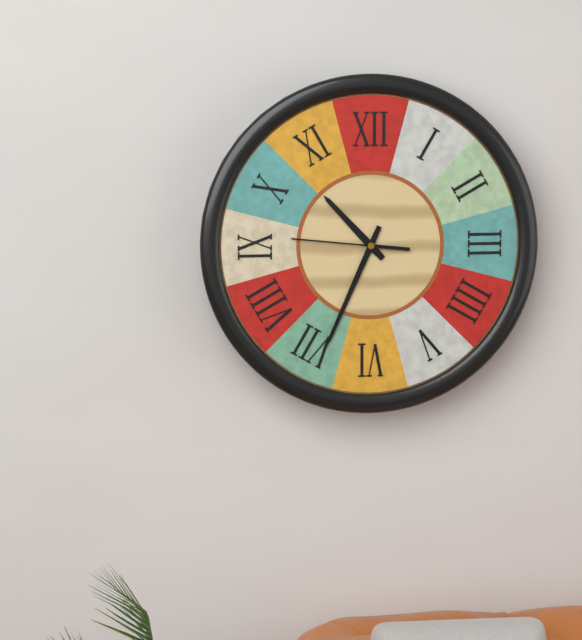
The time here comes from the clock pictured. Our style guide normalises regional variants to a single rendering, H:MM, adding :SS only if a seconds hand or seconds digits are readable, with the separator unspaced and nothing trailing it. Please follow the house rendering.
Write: 10:34:46
